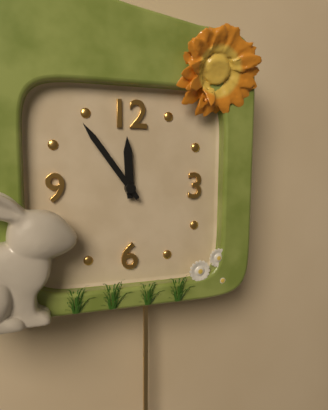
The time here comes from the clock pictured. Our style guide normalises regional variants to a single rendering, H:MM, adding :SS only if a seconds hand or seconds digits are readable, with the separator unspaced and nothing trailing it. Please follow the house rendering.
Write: 11:54
